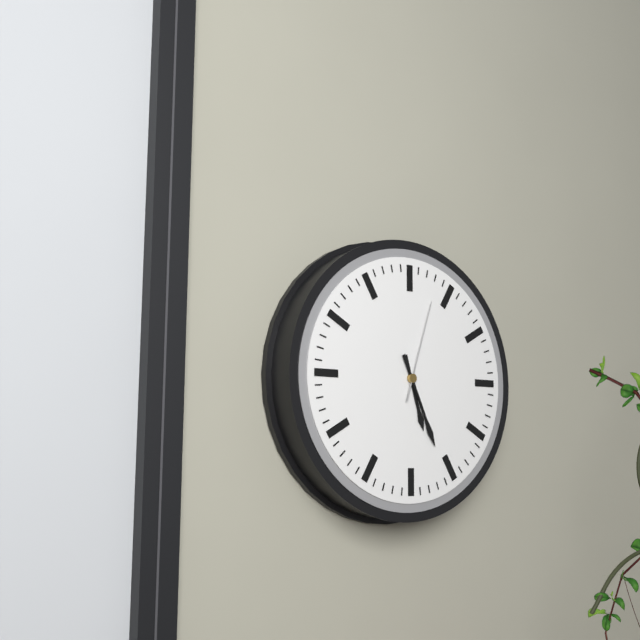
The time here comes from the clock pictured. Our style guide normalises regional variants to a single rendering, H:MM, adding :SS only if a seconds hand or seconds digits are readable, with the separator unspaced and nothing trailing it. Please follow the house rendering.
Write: 5:26:03
